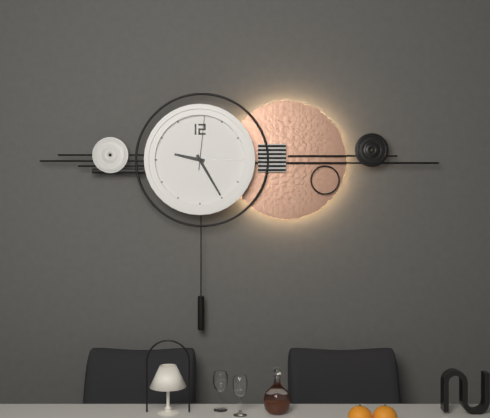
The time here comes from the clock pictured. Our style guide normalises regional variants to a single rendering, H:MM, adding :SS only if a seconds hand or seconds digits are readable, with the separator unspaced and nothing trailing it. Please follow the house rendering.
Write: 9:25:01
